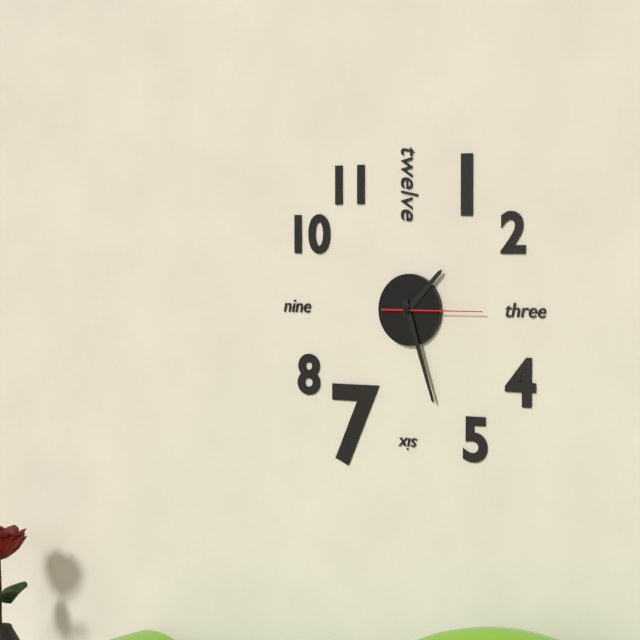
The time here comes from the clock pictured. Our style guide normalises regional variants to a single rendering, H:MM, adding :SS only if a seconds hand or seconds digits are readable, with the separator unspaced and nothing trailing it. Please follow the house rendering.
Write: 1:27:15
